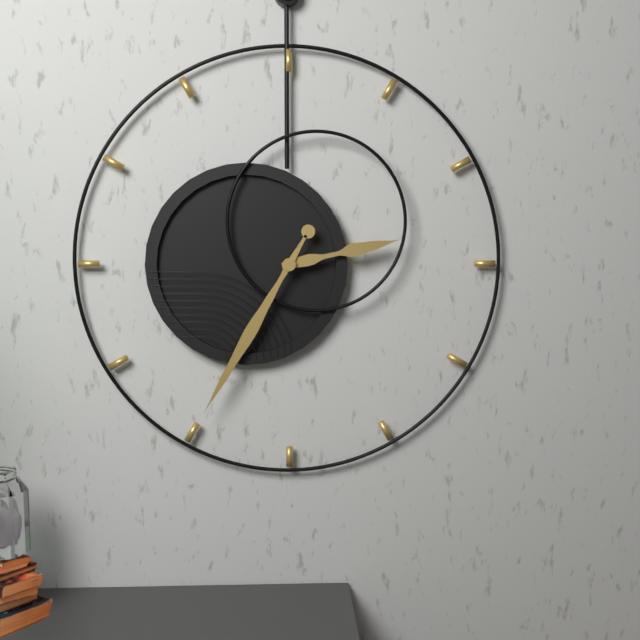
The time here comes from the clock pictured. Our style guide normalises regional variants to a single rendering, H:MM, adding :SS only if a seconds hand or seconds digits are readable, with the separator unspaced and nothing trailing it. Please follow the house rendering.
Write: 2:35
